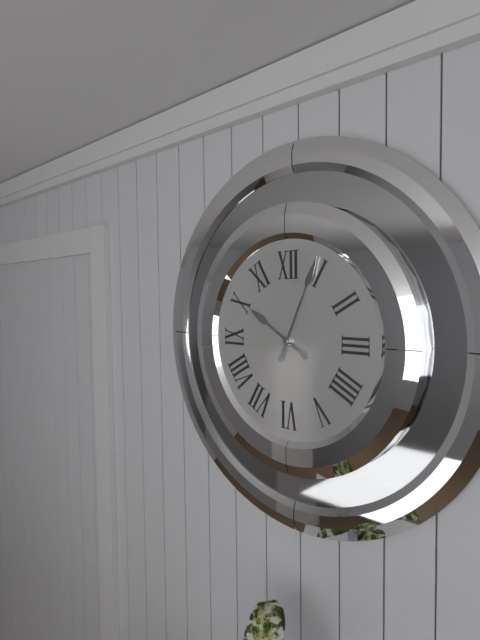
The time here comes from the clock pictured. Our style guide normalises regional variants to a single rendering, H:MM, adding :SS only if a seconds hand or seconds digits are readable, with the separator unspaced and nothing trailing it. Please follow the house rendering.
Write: 10:04
